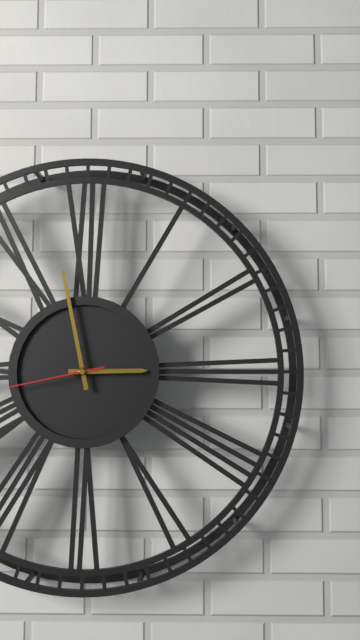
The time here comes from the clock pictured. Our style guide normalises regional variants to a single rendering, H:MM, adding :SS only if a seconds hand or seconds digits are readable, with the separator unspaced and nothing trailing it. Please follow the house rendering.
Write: 2:58:43
